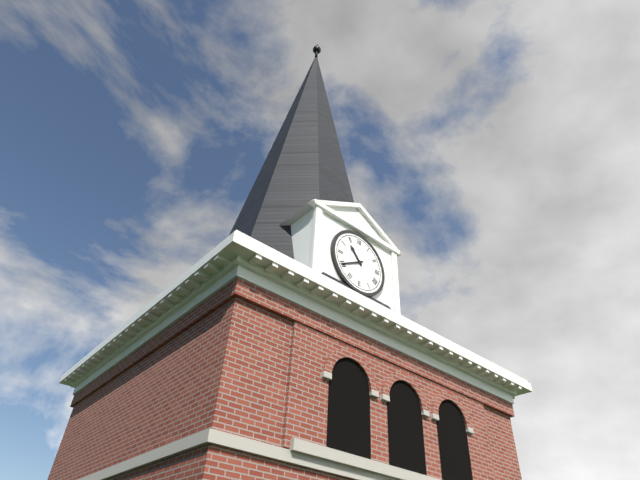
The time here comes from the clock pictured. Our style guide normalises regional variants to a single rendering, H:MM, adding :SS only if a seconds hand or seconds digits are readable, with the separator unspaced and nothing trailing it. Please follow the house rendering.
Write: 10:40
